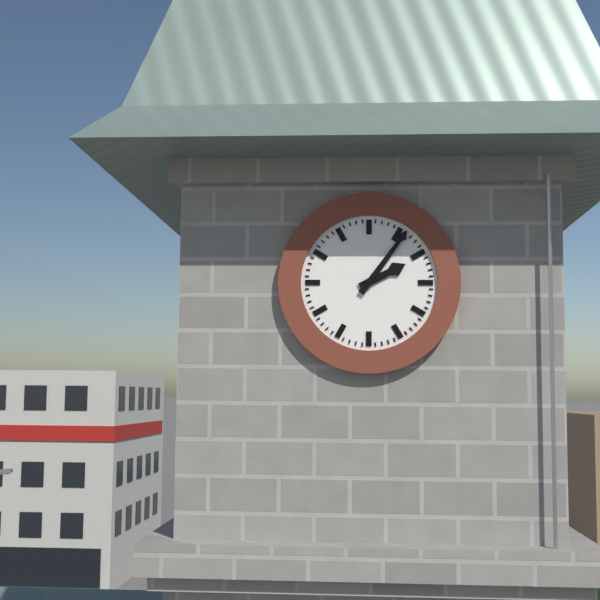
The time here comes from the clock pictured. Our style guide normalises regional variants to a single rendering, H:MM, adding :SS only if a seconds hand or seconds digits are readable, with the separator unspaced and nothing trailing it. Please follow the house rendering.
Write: 2:06
